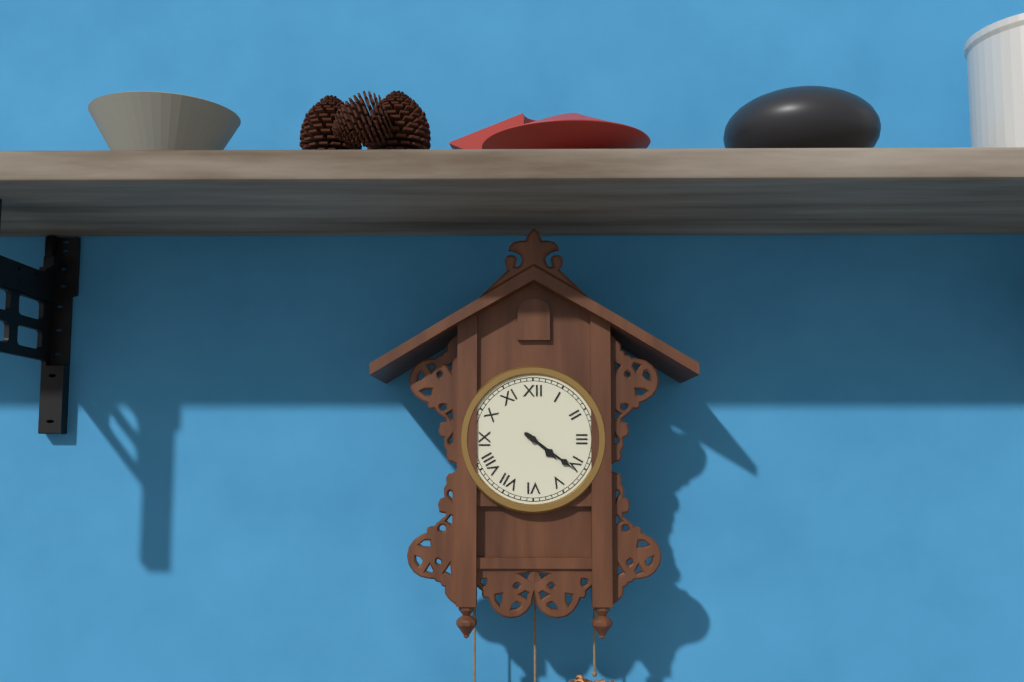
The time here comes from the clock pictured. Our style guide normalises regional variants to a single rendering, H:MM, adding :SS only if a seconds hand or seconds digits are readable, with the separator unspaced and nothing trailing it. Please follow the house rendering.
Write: 4:21
